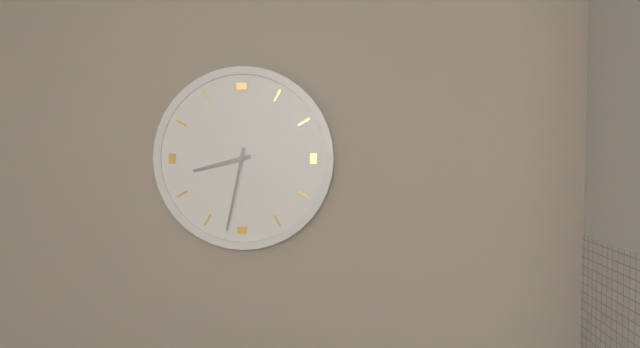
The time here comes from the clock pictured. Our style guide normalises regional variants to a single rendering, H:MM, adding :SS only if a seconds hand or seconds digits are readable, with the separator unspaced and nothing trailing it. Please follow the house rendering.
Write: 8:32
